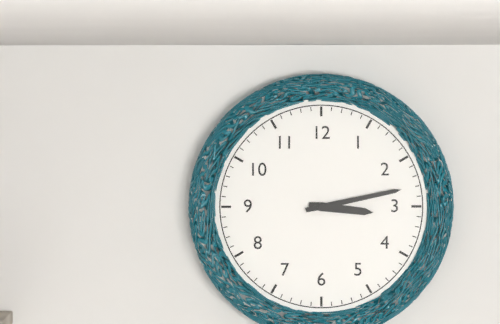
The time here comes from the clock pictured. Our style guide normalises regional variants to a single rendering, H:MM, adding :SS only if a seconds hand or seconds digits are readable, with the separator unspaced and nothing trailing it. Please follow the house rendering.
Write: 3:13
